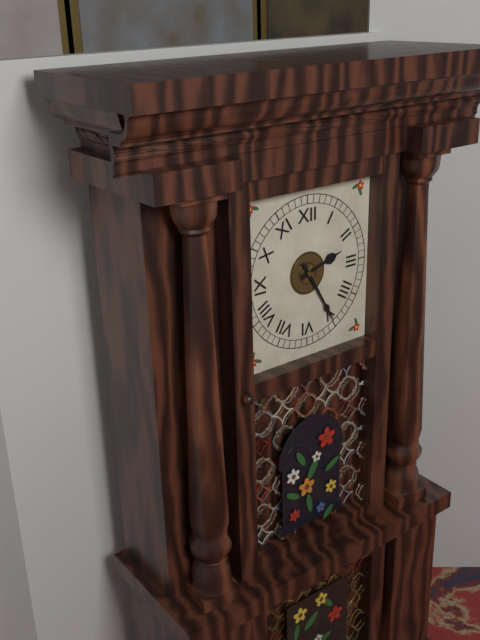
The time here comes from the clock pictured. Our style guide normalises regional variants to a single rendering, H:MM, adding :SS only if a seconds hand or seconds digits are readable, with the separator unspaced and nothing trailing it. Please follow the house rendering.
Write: 2:25
